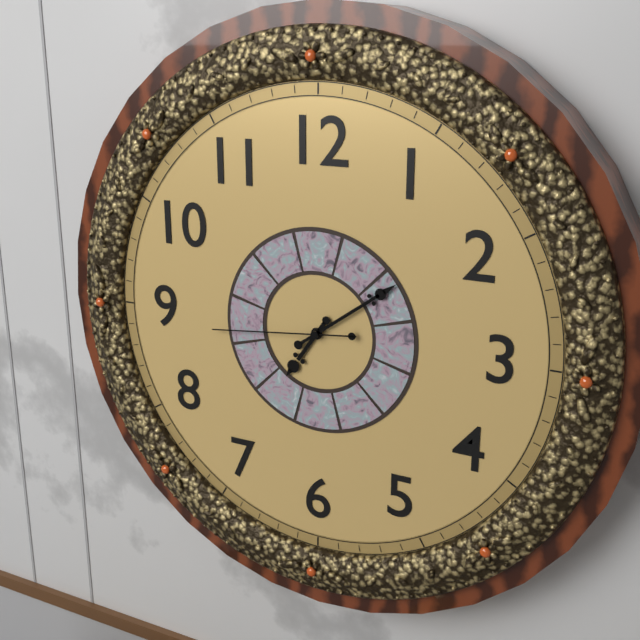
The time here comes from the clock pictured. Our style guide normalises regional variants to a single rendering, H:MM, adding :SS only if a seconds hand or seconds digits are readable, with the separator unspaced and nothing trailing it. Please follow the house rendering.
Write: 7:09:44
